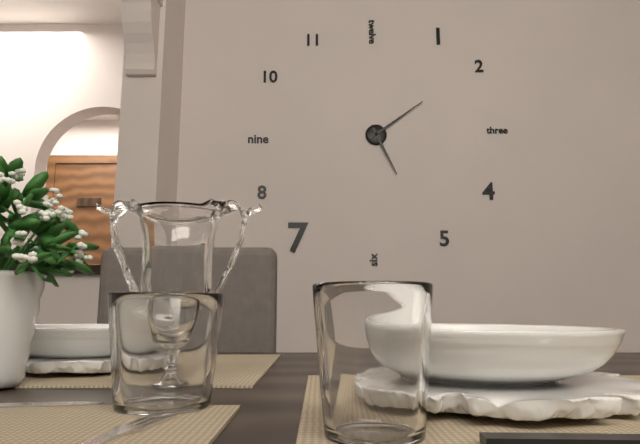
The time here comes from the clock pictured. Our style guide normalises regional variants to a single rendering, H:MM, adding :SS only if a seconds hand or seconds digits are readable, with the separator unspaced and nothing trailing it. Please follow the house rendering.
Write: 5:09
